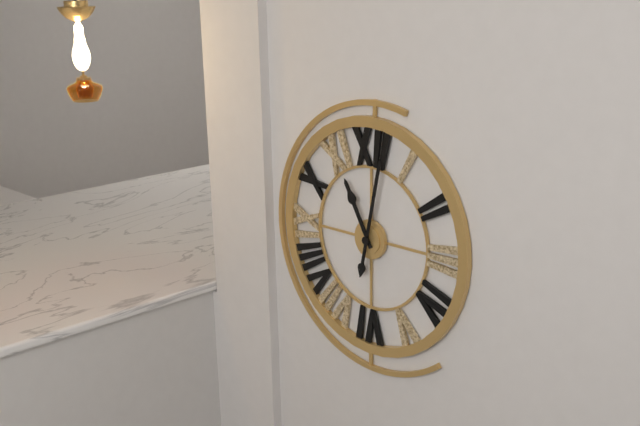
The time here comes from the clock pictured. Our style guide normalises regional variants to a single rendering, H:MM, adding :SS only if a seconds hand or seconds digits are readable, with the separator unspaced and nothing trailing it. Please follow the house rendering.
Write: 11:02
